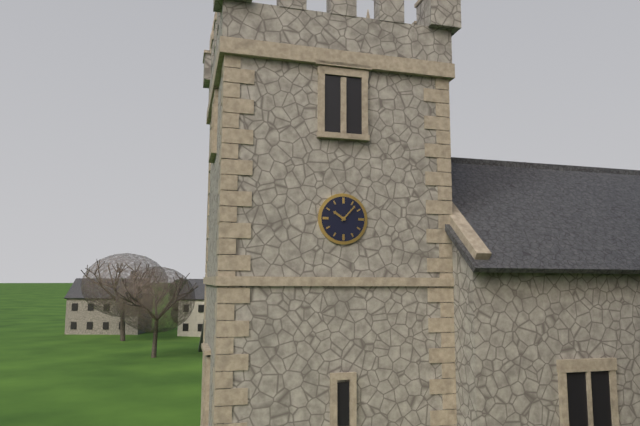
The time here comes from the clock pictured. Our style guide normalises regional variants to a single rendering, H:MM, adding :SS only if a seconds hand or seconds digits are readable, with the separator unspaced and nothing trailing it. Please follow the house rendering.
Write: 10:07
